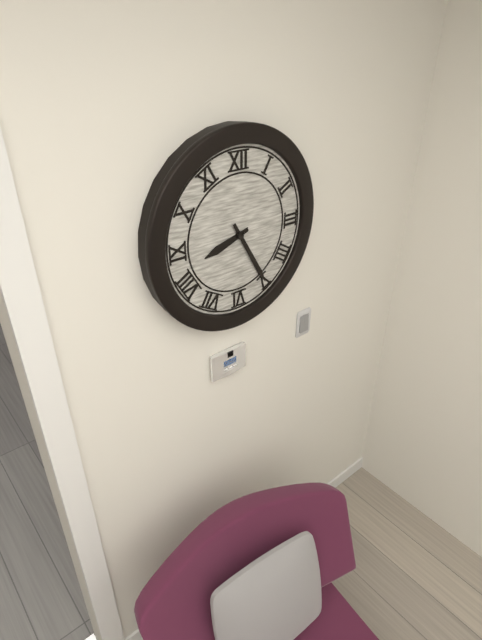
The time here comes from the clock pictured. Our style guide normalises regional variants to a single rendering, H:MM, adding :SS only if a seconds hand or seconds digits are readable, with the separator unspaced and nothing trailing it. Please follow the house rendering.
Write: 8:25
